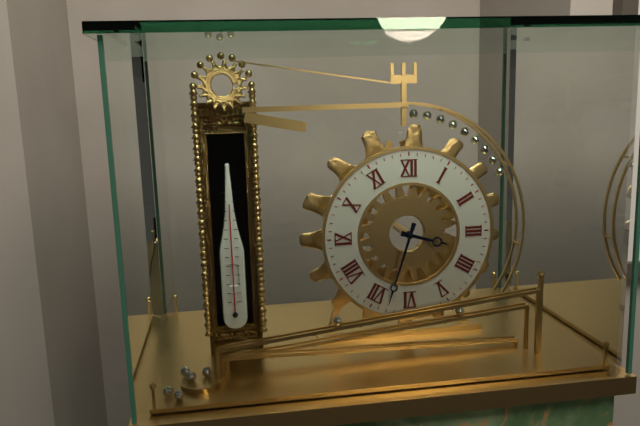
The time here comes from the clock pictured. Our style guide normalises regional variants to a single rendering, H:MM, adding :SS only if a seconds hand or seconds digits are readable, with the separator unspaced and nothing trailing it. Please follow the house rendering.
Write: 3:33
